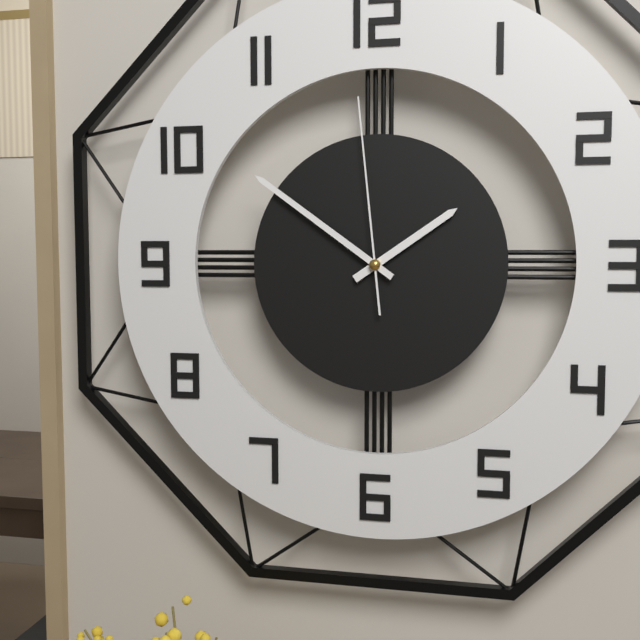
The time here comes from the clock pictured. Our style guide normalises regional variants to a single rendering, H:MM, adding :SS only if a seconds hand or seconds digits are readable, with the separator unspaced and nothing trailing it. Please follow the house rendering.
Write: 1:51:59
